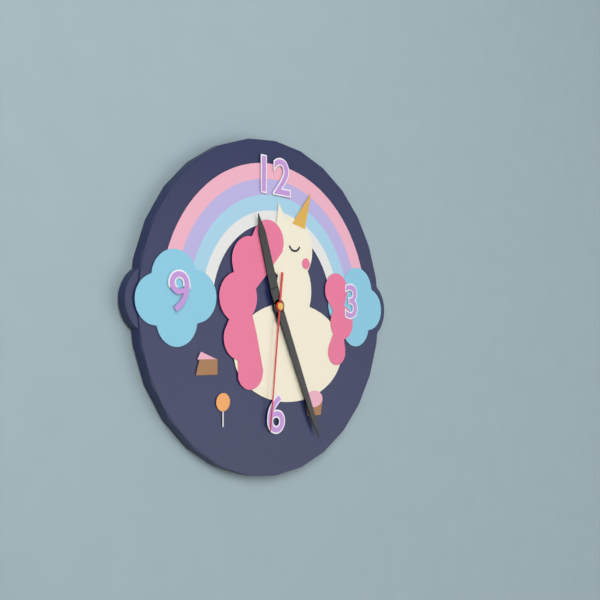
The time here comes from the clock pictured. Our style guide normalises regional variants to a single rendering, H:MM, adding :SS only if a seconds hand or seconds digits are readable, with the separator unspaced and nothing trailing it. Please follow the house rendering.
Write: 11:26:31
